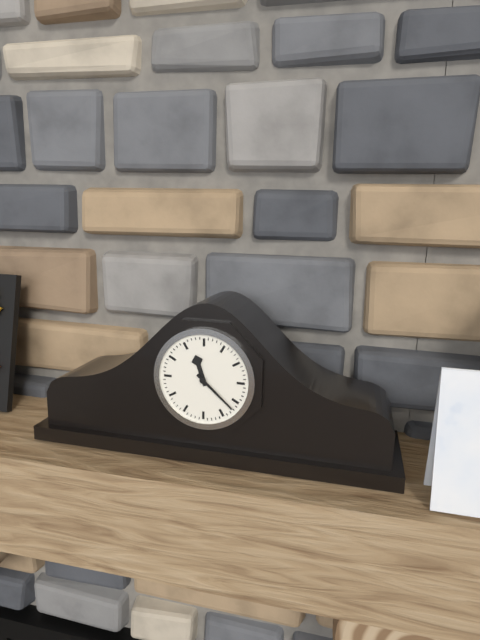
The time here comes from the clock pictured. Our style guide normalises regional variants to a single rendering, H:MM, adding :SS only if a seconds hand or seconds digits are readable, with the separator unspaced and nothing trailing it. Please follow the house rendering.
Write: 11:22
